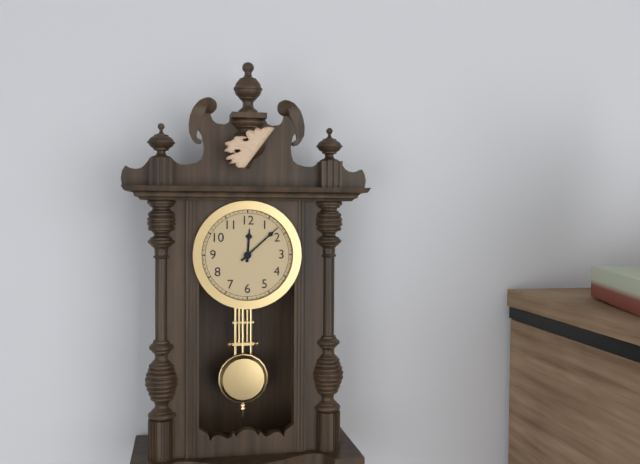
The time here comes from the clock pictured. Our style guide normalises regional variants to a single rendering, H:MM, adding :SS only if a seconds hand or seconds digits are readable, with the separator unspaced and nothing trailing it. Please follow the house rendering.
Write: 12:08
